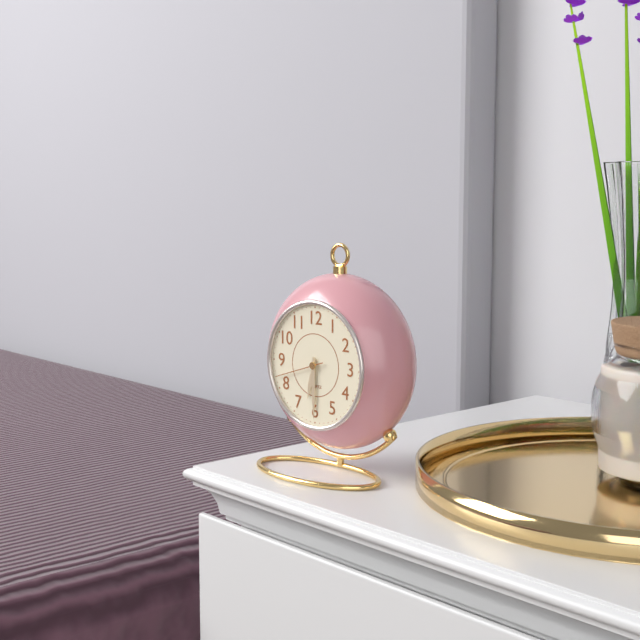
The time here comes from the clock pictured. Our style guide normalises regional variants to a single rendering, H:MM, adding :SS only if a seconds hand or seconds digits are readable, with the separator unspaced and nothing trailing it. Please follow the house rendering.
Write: 6:30
